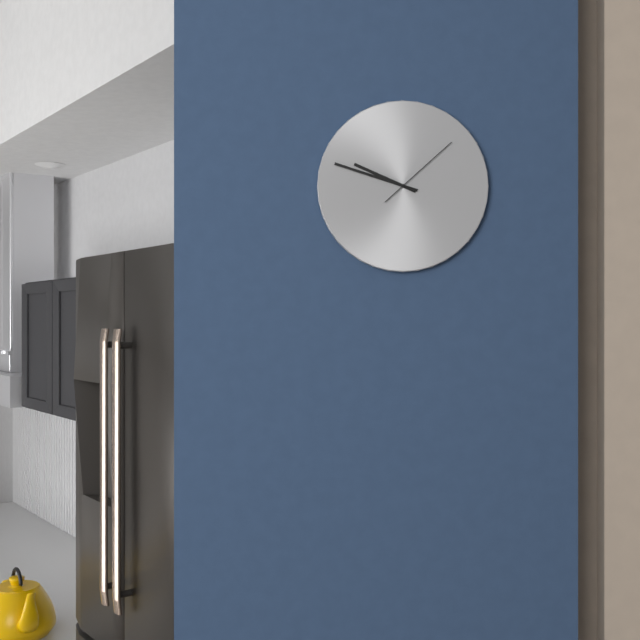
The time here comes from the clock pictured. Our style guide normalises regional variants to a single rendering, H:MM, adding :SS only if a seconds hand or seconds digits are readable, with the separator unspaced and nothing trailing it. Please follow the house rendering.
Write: 9:48:08
